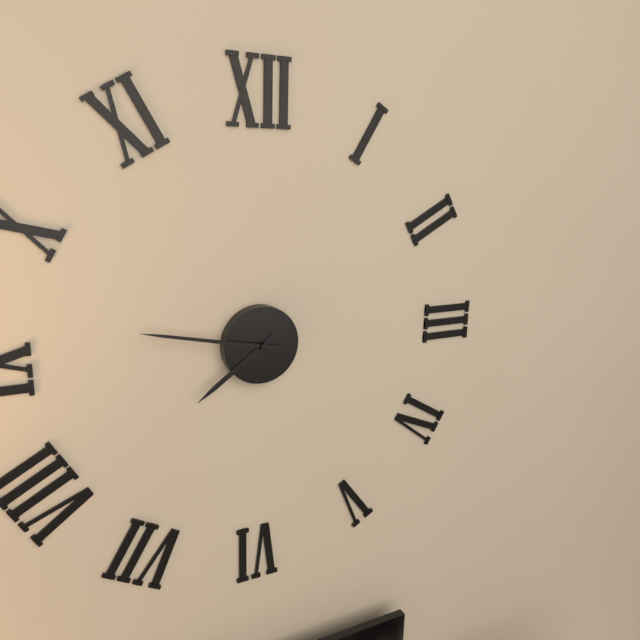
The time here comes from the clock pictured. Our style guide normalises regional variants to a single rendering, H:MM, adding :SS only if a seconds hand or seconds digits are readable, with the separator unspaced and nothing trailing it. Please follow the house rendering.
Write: 7:47
